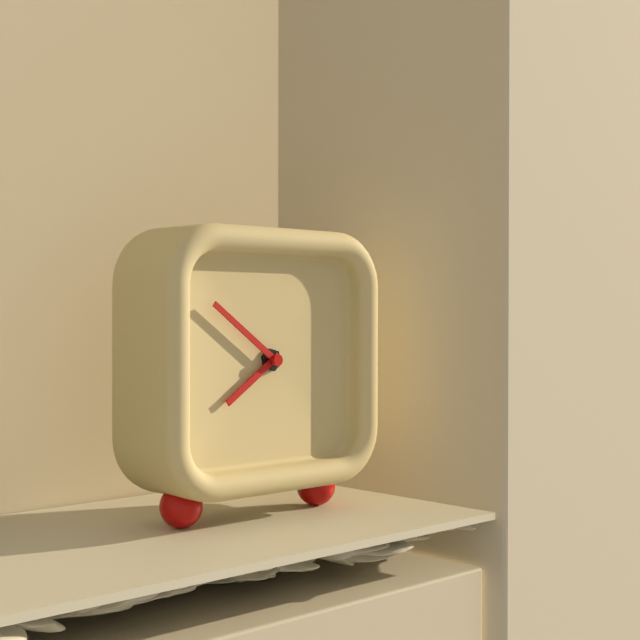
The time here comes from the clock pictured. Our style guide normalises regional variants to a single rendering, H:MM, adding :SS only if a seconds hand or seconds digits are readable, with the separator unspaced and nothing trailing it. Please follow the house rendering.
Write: 7:51
